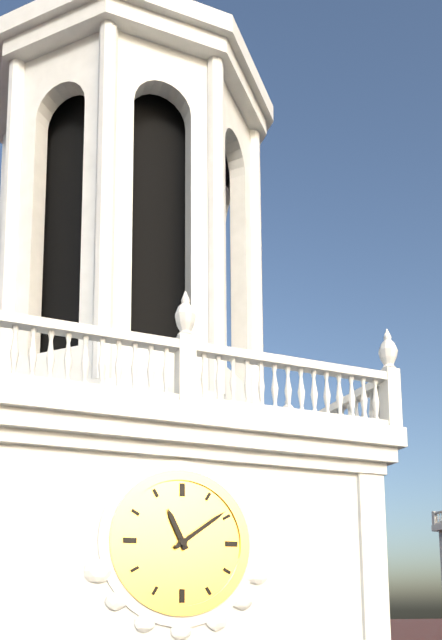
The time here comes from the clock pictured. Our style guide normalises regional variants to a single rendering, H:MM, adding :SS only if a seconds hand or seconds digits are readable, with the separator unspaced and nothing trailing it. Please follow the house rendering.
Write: 11:09
